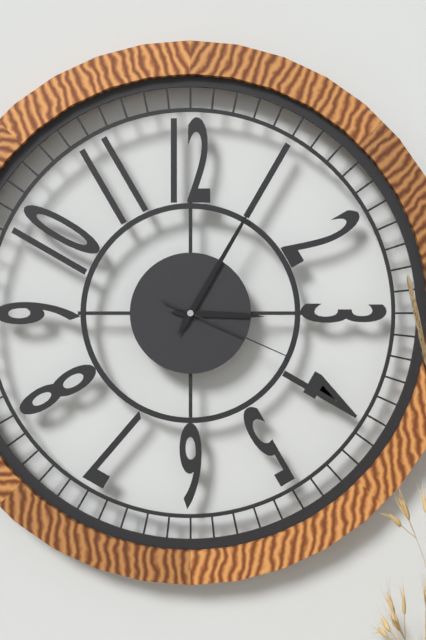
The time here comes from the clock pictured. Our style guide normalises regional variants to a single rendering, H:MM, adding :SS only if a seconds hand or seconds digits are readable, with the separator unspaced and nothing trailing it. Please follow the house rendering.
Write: 3:05:19
